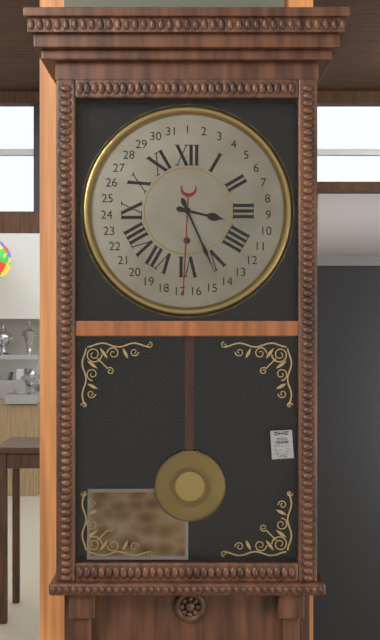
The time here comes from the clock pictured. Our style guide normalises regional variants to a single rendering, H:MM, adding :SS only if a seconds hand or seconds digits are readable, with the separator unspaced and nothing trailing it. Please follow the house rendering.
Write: 3:26
